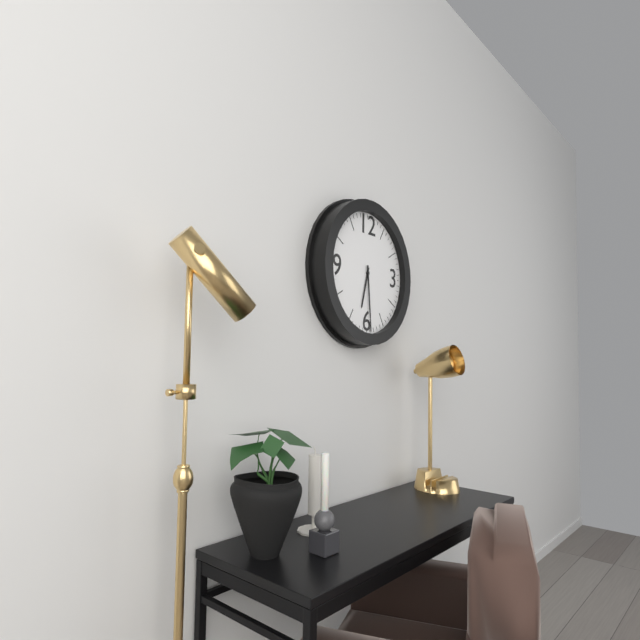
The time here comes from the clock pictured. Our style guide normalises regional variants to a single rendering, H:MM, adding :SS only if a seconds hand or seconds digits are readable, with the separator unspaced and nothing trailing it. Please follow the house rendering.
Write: 6:29
